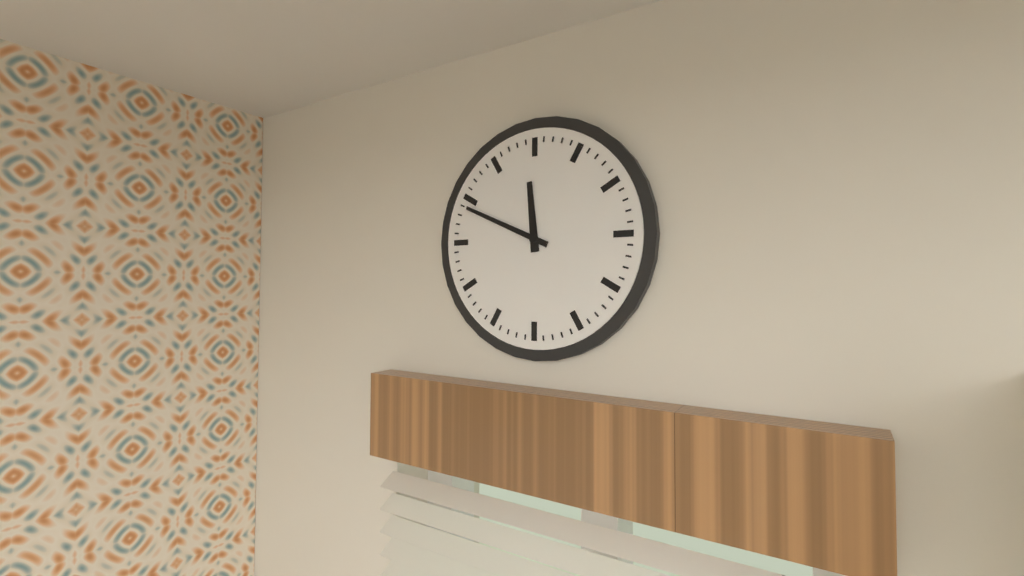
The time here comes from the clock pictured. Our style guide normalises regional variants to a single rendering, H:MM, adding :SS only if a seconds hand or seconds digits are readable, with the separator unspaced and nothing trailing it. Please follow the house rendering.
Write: 11:49
